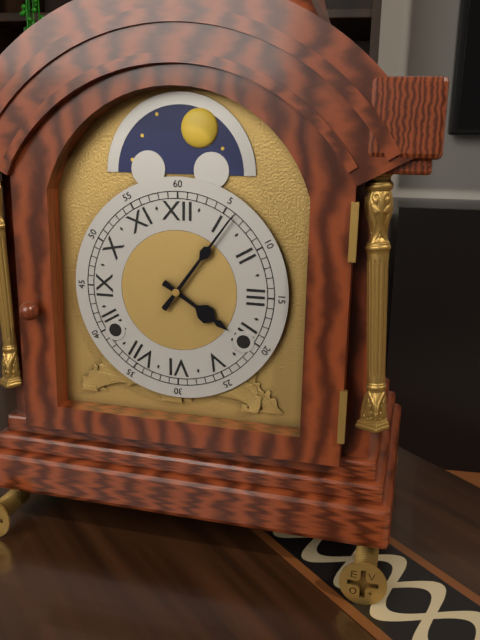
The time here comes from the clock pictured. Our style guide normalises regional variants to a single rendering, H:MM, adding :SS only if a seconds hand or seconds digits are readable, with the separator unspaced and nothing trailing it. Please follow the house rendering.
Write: 4:06
